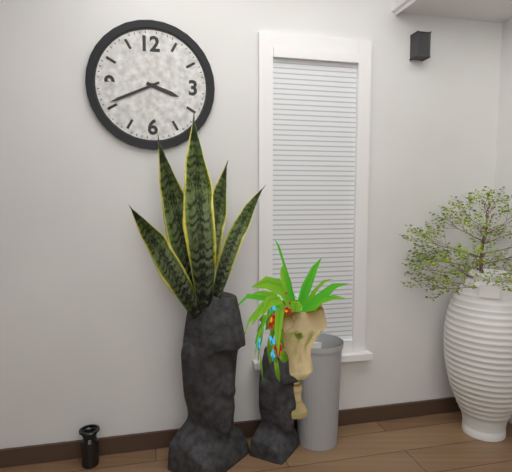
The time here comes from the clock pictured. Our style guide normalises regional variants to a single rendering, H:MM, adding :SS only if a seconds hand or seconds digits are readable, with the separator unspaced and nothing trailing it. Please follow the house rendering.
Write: 3:41
